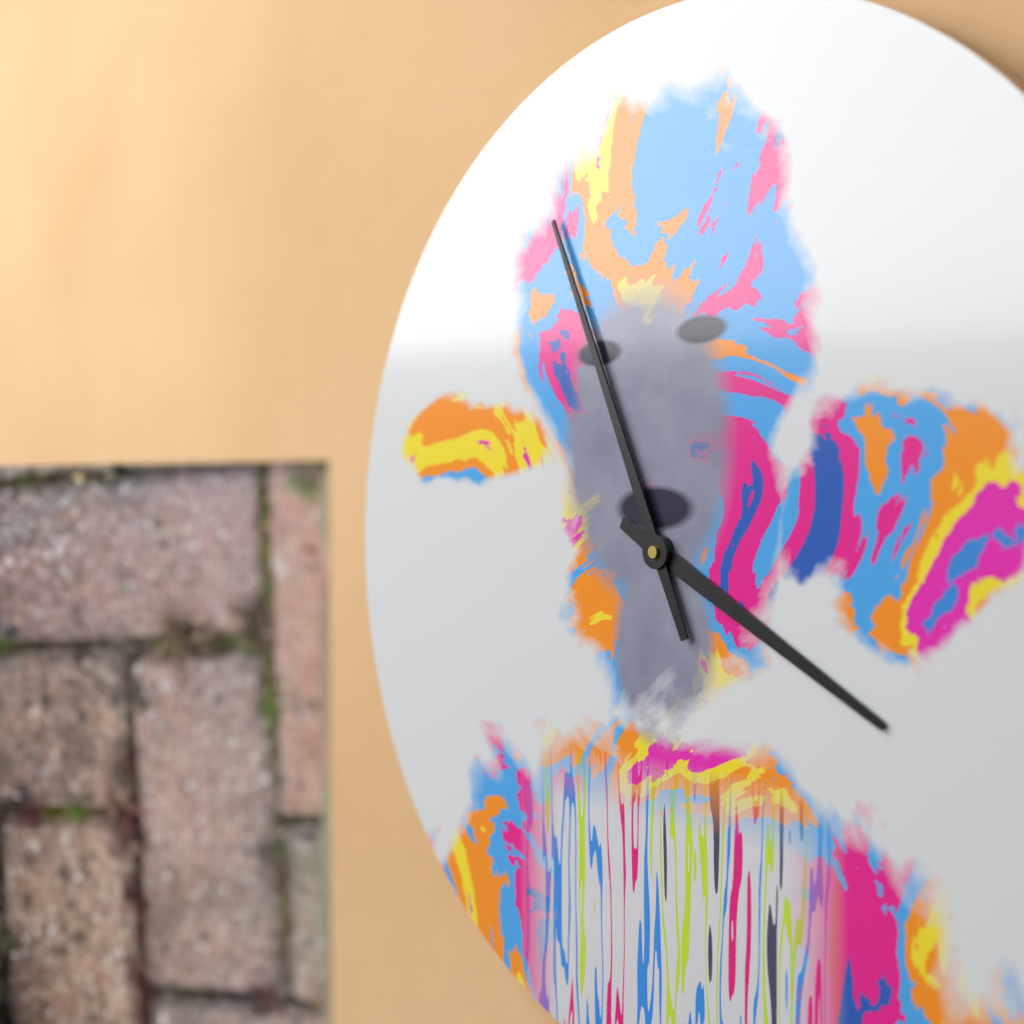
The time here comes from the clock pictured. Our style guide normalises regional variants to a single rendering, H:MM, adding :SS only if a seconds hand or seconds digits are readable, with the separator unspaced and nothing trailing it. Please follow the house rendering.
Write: 3:56
